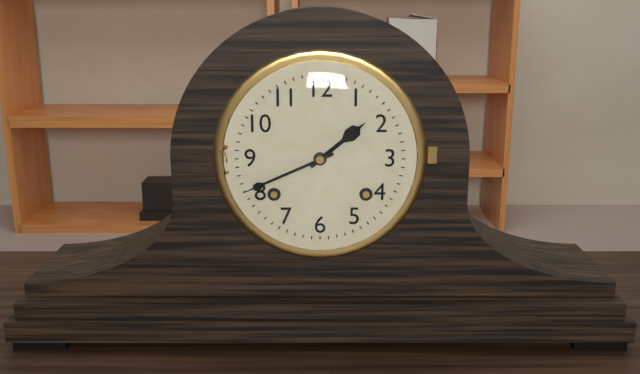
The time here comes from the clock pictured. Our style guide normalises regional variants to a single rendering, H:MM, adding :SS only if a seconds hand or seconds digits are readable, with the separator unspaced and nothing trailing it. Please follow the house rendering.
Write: 1:41
